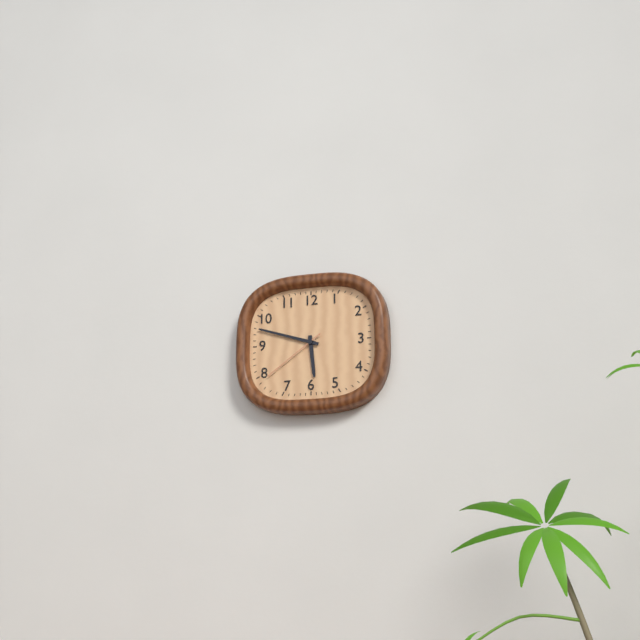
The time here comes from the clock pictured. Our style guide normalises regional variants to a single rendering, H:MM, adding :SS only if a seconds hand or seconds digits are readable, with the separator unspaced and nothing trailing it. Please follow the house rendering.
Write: 5:48:39
